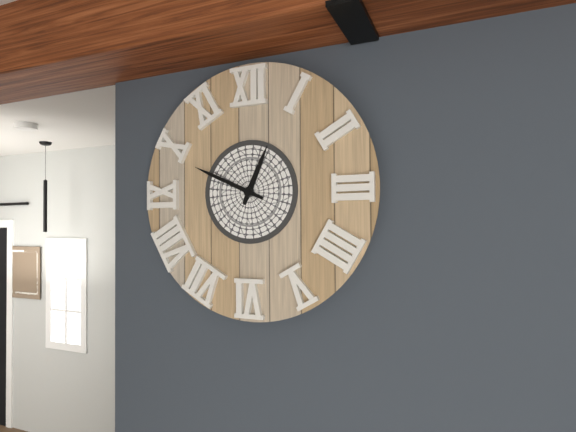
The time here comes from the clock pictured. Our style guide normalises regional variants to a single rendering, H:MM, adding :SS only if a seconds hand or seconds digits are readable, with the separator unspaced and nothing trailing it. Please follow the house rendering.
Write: 12:49
